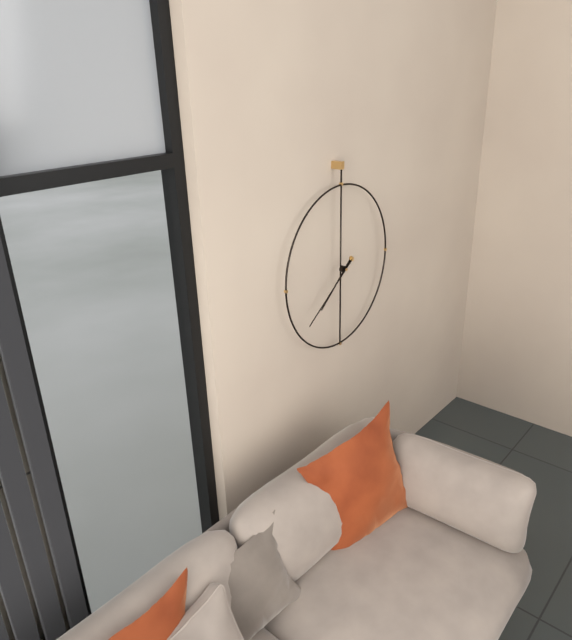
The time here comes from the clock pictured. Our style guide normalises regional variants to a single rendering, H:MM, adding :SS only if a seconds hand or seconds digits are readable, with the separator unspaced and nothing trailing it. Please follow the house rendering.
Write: 7:39
